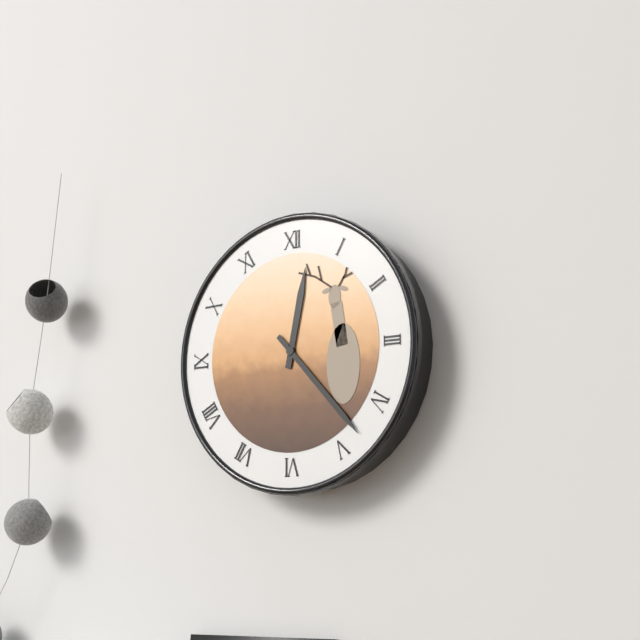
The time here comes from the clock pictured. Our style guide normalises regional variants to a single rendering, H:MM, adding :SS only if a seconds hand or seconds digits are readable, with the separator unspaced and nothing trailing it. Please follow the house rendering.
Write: 12:23
